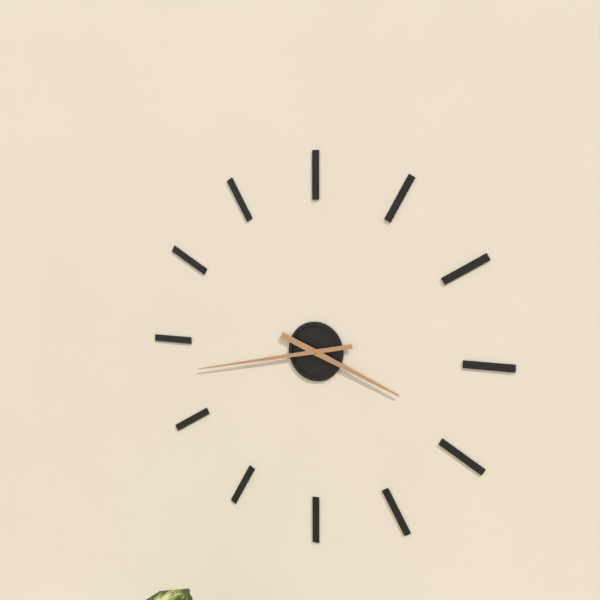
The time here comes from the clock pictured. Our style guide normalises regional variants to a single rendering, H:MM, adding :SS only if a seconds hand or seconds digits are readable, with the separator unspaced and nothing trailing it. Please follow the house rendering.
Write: 3:43
